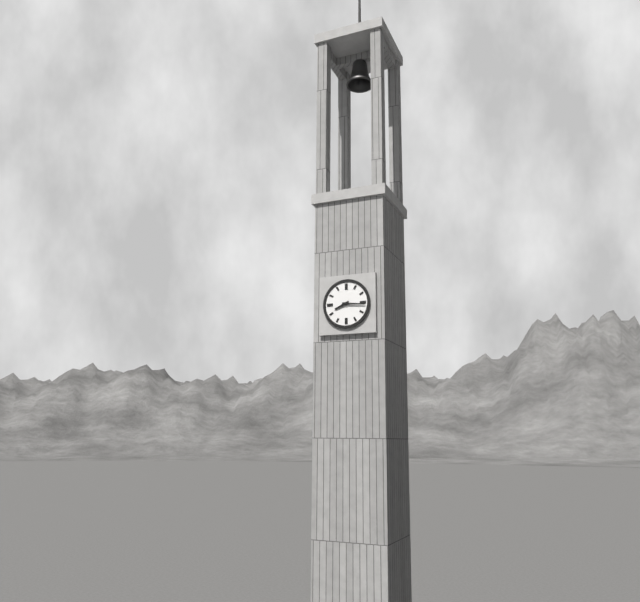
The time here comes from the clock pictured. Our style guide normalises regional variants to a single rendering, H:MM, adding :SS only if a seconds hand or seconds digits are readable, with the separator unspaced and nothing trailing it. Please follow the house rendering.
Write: 8:16
